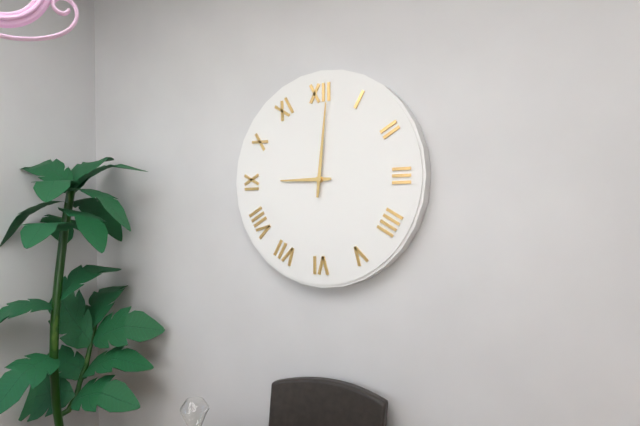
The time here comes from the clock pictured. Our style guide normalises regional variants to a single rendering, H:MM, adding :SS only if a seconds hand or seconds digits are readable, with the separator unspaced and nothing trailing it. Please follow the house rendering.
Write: 9:01
